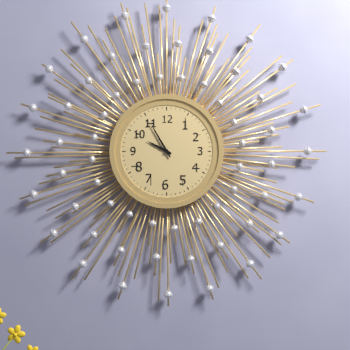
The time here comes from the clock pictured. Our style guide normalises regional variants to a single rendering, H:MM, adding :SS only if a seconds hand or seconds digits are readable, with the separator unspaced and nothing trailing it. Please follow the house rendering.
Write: 9:55
